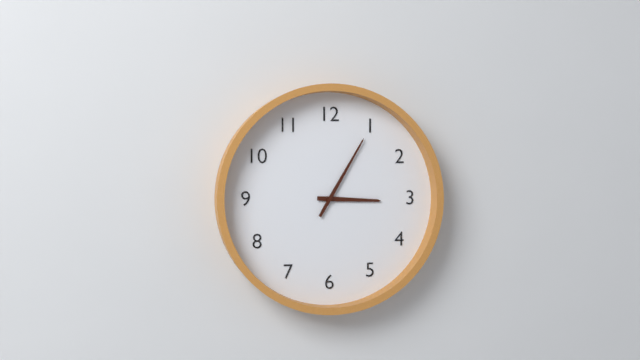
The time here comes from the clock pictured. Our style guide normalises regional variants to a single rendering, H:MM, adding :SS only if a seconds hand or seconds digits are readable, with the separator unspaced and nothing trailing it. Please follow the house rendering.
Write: 3:05
